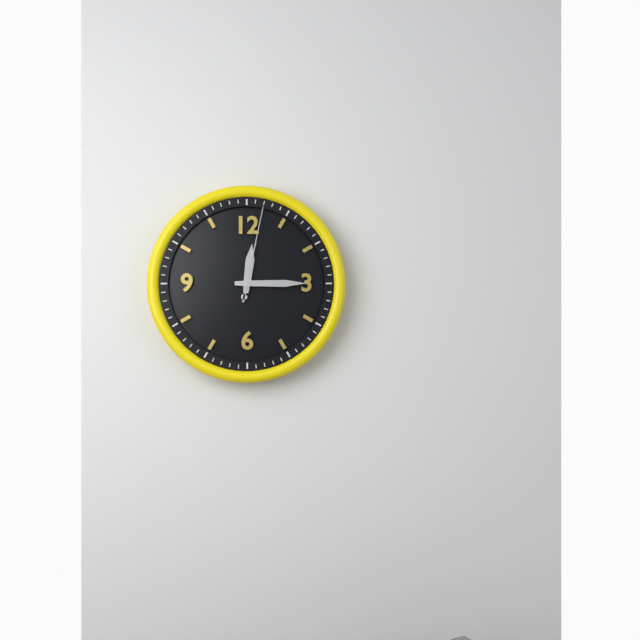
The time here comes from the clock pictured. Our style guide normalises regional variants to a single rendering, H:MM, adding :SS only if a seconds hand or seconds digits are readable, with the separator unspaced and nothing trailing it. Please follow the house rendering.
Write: 12:15:02
